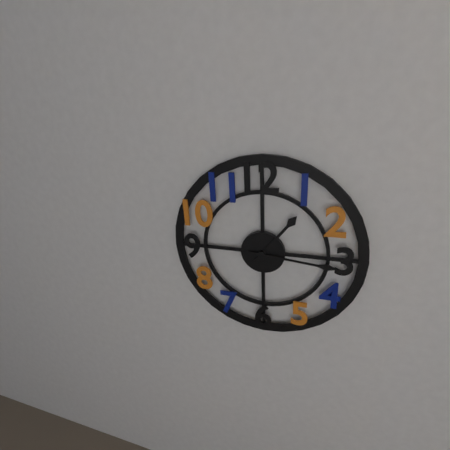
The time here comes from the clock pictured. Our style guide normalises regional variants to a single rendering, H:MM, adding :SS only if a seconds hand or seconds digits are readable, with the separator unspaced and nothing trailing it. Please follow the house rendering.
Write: 1:16
